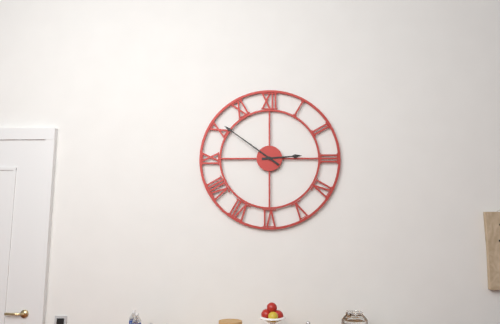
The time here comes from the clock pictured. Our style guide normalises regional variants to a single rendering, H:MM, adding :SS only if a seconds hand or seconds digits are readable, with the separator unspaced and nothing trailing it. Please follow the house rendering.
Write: 2:51
